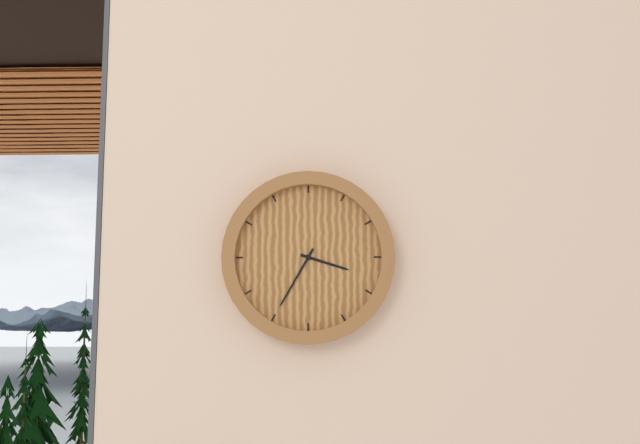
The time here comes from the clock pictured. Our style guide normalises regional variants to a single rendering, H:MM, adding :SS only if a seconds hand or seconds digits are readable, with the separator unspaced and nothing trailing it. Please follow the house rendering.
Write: 3:35
